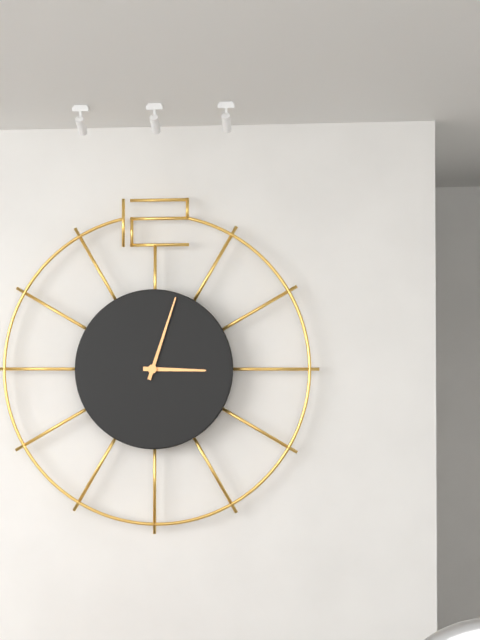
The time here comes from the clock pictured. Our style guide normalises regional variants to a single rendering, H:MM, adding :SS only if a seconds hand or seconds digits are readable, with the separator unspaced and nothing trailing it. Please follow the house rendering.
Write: 3:03
